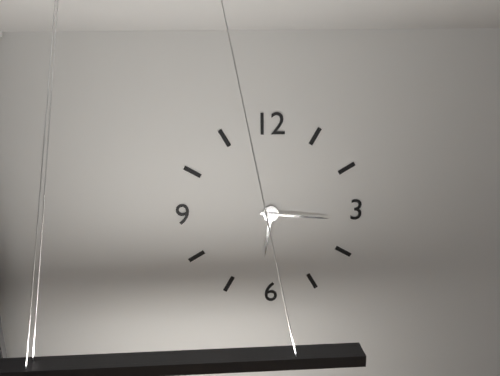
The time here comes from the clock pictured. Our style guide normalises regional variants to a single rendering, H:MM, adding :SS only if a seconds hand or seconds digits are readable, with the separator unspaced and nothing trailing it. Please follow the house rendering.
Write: 6:16
